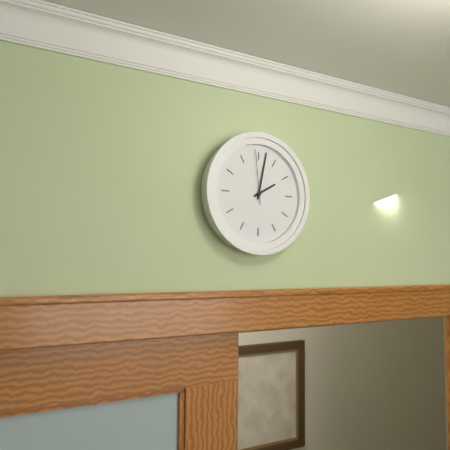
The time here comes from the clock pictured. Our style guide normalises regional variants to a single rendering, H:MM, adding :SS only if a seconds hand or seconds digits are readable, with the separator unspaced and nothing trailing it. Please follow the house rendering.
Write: 2:02:59
